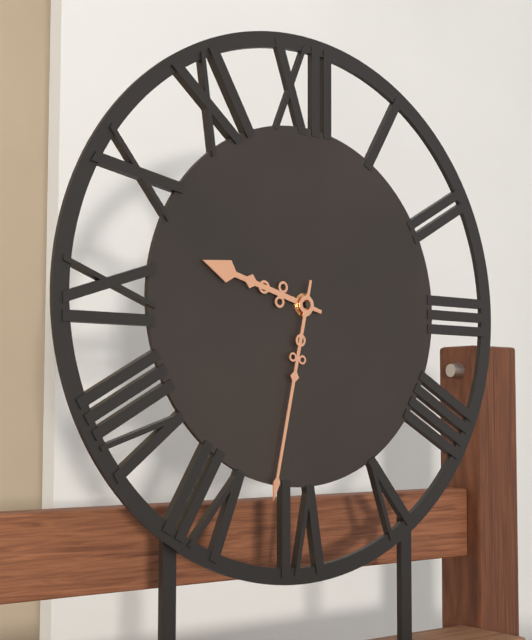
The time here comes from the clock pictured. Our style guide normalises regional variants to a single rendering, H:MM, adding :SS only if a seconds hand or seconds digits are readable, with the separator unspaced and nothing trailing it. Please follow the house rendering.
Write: 9:32
